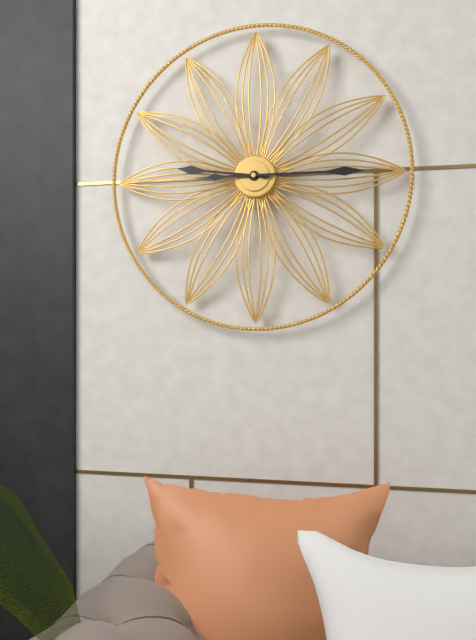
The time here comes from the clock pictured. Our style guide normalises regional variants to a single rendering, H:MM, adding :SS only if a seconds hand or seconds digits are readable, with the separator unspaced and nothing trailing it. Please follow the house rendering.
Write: 9:15
